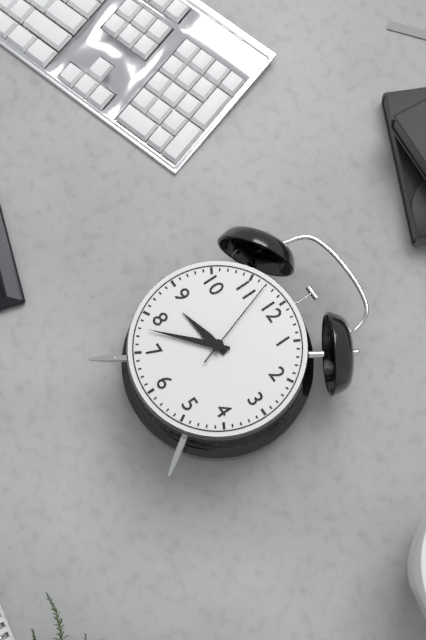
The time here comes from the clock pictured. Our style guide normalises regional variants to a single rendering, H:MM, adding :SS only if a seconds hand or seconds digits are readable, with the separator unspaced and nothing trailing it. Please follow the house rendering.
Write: 8:38:57
